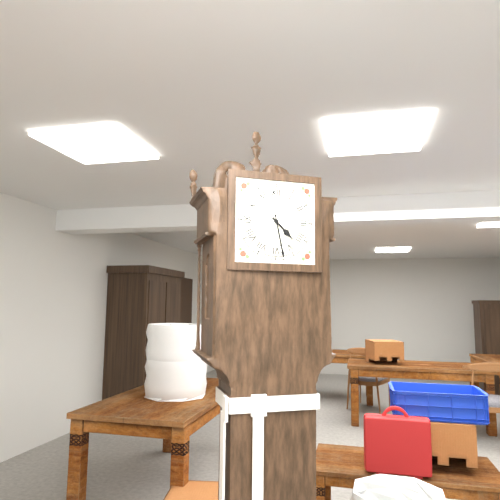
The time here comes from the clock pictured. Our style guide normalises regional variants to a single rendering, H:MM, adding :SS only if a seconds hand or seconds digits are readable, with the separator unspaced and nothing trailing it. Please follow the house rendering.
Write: 4:28
